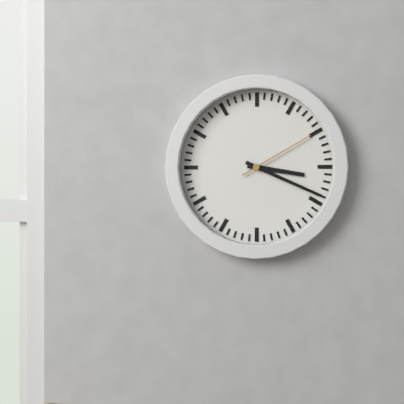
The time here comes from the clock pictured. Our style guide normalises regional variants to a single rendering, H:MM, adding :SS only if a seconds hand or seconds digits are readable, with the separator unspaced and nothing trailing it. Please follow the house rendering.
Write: 3:19:10
